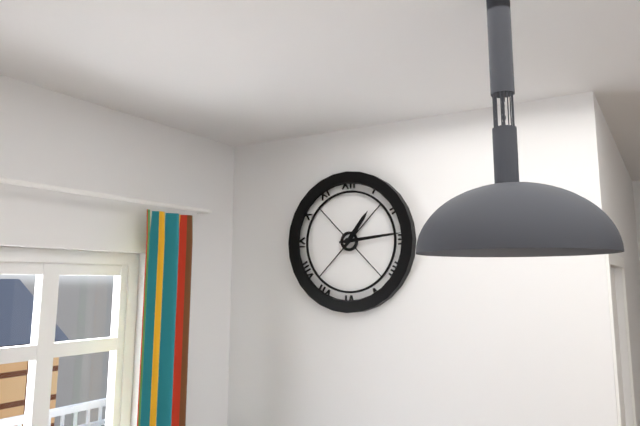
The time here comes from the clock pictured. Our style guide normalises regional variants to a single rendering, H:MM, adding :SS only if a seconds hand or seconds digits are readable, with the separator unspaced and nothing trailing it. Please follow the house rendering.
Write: 1:14
